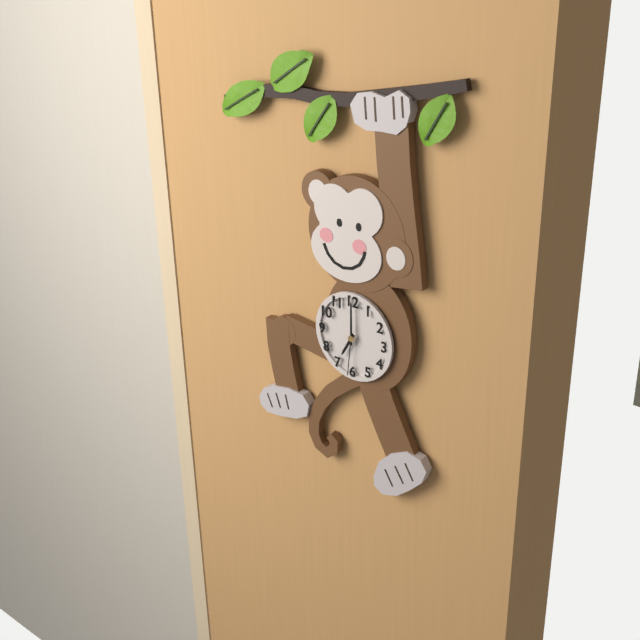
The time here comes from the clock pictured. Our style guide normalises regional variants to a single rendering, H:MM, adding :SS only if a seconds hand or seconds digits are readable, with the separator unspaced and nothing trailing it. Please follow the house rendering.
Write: 7:00:31
